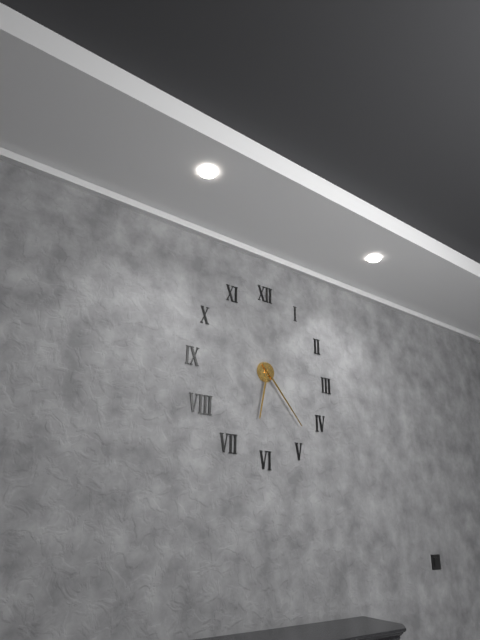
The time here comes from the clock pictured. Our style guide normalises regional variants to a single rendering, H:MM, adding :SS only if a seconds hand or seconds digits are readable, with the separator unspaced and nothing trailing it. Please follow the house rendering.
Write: 6:23
